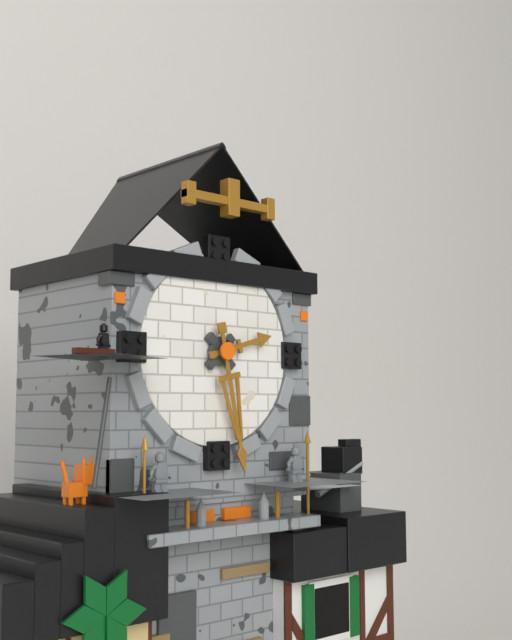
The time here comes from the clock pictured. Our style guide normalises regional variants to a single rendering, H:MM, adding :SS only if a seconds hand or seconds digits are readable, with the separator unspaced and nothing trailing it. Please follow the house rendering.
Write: 2:28
